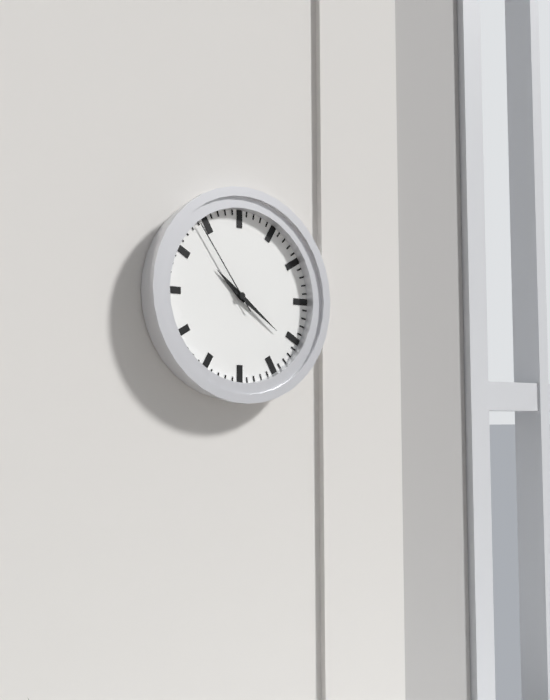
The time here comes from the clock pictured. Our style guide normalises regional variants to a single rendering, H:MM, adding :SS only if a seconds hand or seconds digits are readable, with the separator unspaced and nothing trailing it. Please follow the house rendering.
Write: 10:21:54
